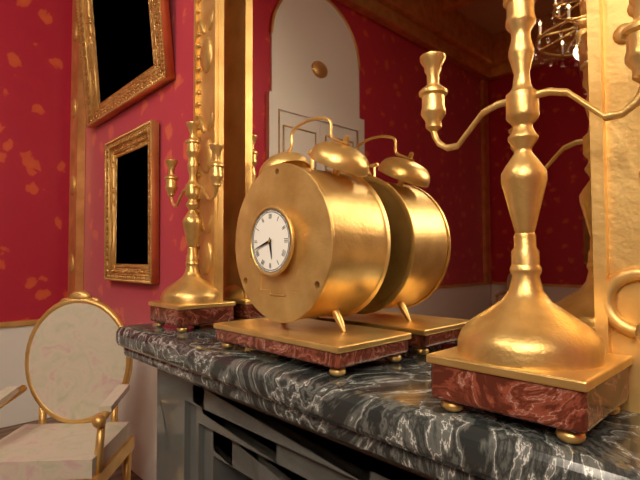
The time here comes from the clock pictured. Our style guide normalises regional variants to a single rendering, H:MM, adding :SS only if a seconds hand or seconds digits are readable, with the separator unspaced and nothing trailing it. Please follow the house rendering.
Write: 5:42
